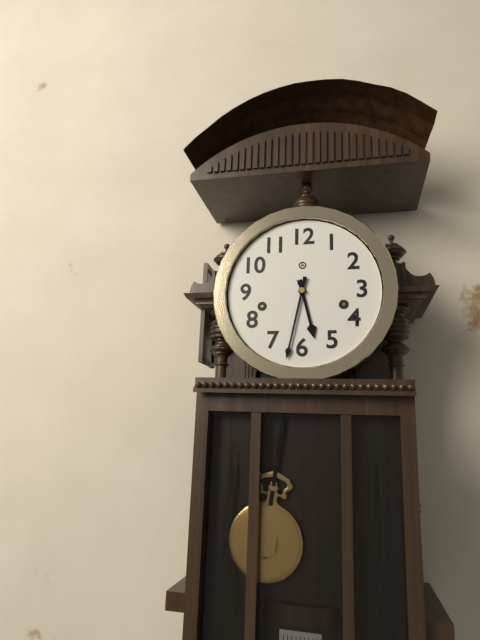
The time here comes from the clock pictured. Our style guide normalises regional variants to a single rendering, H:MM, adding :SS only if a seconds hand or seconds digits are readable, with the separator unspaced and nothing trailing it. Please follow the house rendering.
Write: 5:32
